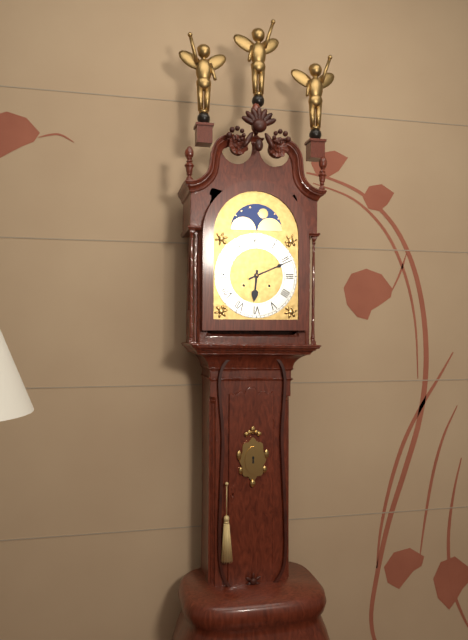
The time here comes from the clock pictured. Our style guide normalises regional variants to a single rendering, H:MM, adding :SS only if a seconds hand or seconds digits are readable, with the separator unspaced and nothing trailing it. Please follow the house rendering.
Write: 6:11
